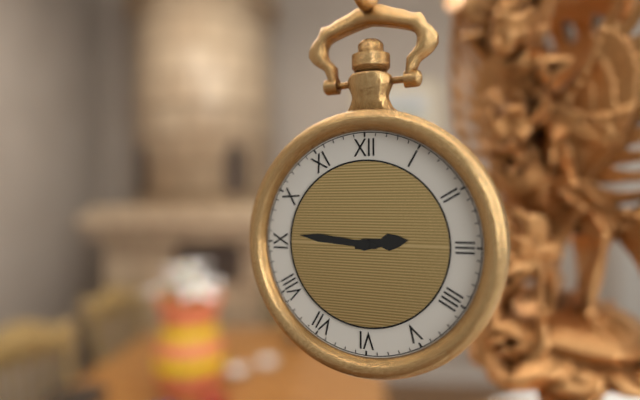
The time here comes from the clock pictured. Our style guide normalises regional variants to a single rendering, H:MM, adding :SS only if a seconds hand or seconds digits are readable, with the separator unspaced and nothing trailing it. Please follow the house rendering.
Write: 2:46
